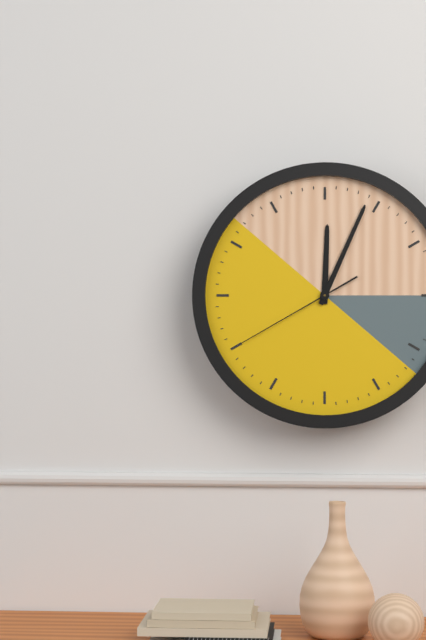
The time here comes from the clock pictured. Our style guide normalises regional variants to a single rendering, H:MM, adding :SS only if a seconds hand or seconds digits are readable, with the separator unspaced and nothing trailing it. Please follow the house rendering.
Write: 12:04:40
